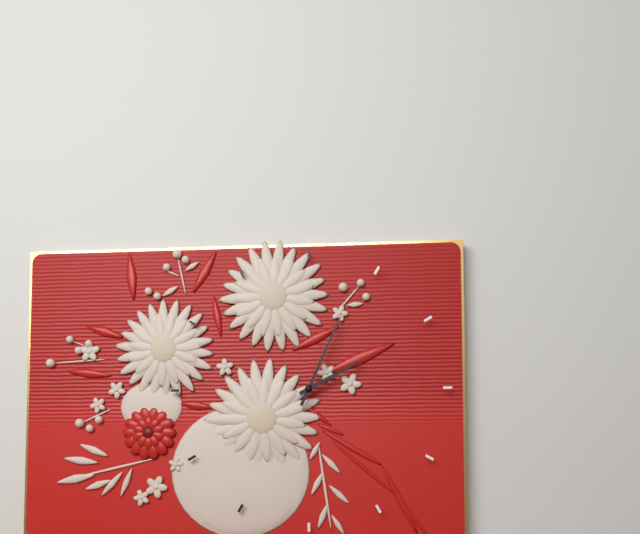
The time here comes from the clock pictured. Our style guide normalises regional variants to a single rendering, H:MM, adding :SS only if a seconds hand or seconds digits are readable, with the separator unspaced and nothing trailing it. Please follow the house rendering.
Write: 2:04
